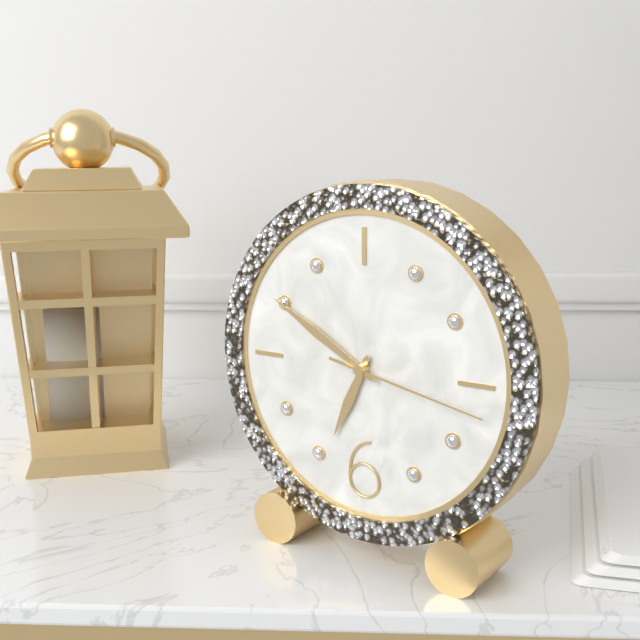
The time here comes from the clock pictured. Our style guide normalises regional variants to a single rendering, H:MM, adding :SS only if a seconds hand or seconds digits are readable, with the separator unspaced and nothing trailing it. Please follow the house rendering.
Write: 6:50:17
